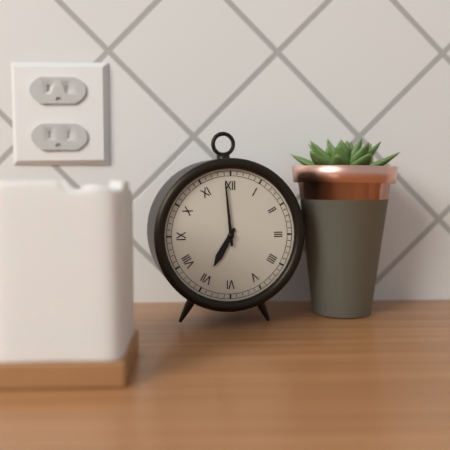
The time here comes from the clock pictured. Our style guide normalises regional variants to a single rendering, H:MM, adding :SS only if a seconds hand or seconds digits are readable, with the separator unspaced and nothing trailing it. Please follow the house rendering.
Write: 6:59
